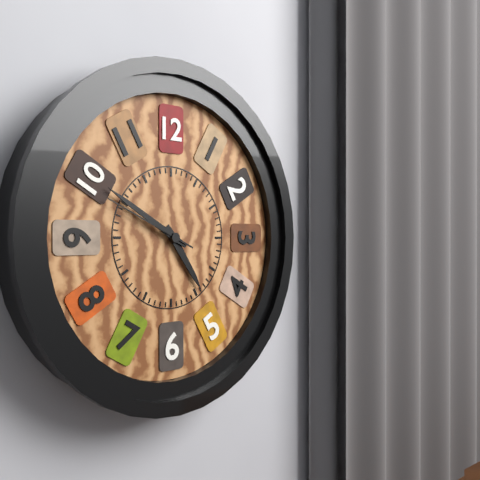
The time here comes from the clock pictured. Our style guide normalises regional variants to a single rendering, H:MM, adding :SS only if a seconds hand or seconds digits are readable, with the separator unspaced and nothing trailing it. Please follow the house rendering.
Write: 4:50:49
